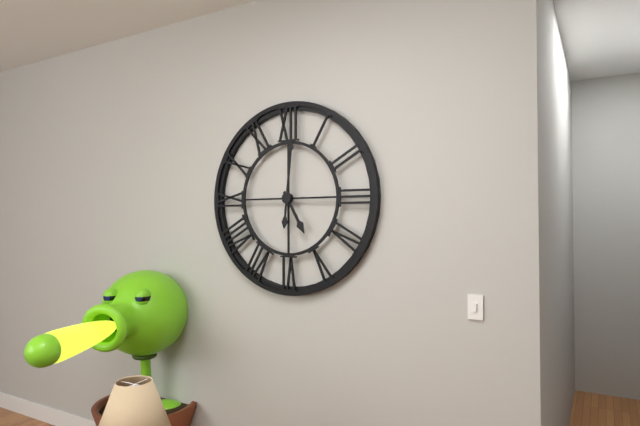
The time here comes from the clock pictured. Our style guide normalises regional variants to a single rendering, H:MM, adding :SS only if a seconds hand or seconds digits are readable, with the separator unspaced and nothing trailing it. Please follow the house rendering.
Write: 5:01
